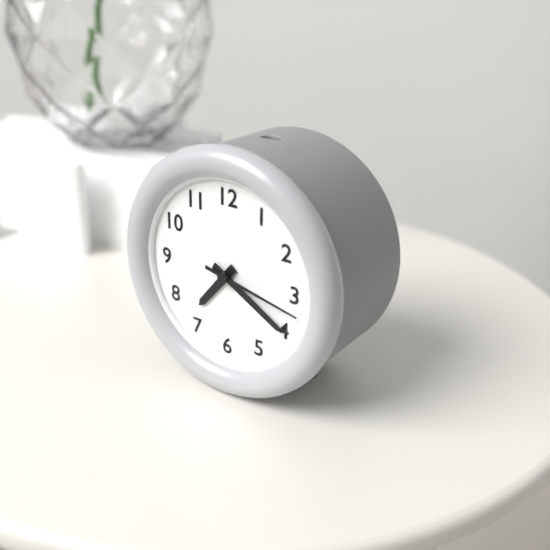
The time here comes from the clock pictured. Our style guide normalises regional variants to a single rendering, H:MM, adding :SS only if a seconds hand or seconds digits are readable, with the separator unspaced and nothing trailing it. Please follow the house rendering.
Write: 7:20:17
